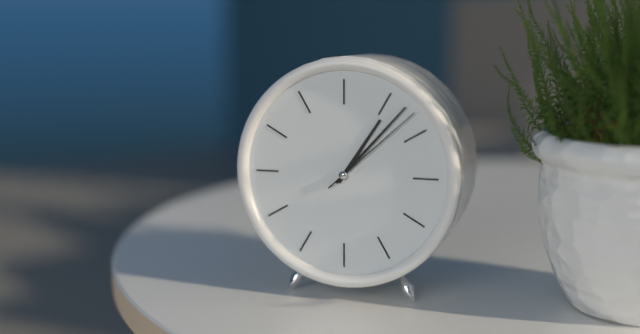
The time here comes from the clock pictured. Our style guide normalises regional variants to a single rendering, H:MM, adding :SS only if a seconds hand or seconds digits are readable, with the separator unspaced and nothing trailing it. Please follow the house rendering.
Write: 1:07:08
